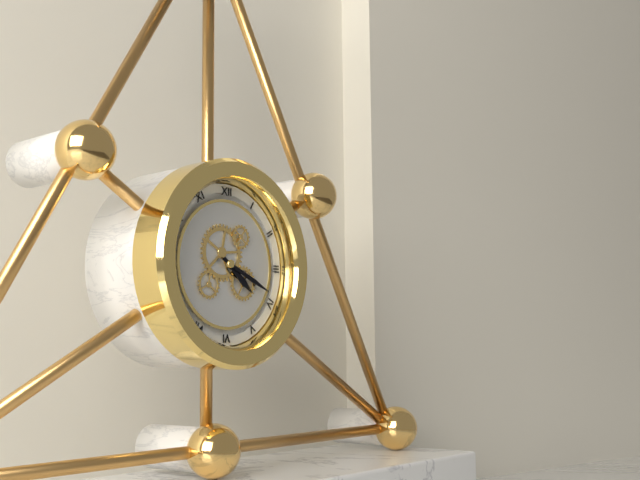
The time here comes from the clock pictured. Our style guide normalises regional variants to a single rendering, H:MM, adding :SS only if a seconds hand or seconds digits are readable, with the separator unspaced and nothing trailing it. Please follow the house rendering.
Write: 4:19
